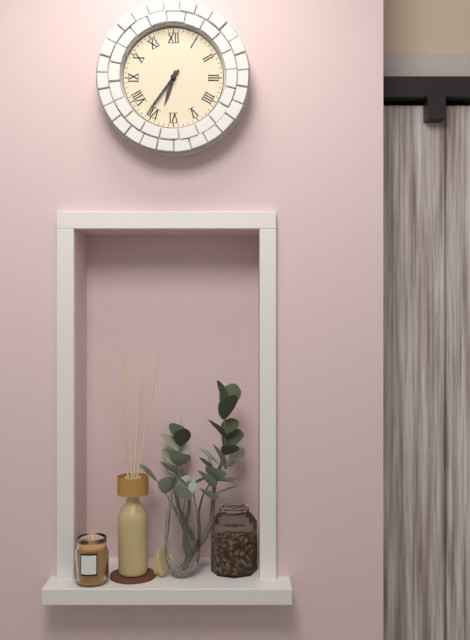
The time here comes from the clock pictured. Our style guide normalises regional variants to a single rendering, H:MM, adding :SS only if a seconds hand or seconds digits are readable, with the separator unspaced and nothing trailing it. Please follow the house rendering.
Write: 6:36
